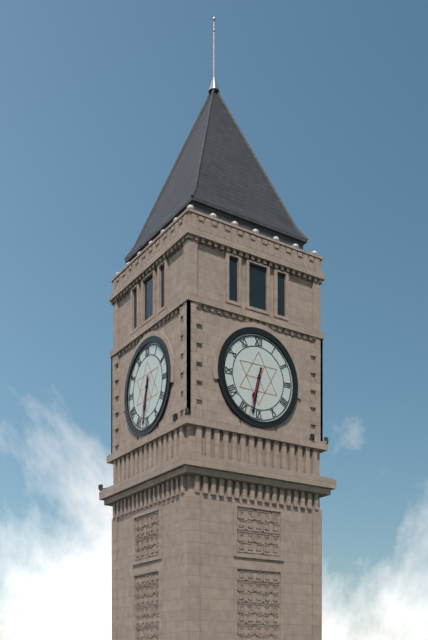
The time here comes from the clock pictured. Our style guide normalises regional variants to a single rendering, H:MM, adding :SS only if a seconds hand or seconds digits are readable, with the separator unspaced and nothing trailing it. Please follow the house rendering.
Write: 6:32
